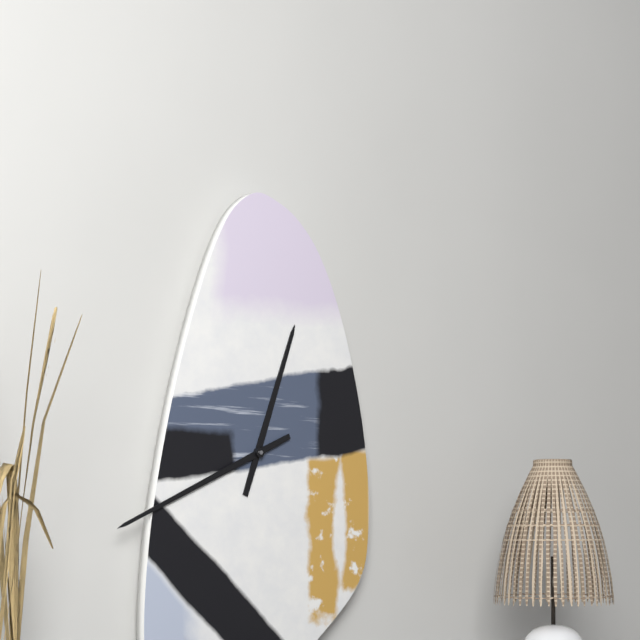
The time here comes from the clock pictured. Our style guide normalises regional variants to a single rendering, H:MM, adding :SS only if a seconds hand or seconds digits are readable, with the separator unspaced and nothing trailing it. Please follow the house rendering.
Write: 12:41
